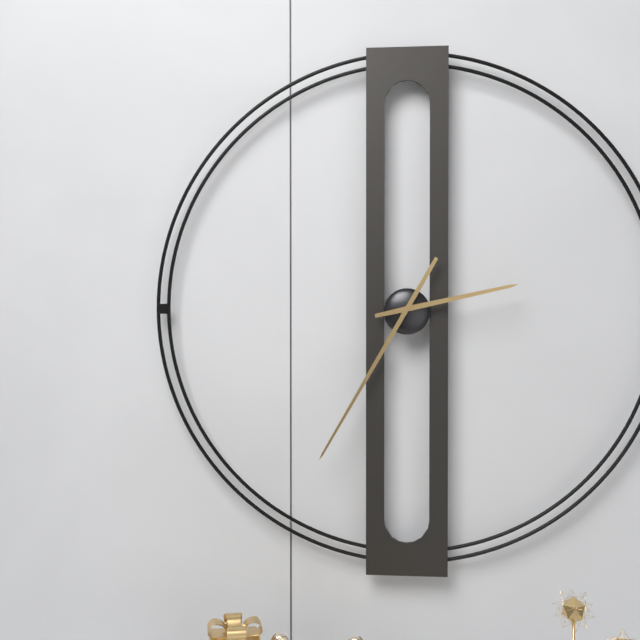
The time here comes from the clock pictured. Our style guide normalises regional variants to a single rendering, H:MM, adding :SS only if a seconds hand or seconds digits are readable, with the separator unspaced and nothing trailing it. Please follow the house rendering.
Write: 2:35
